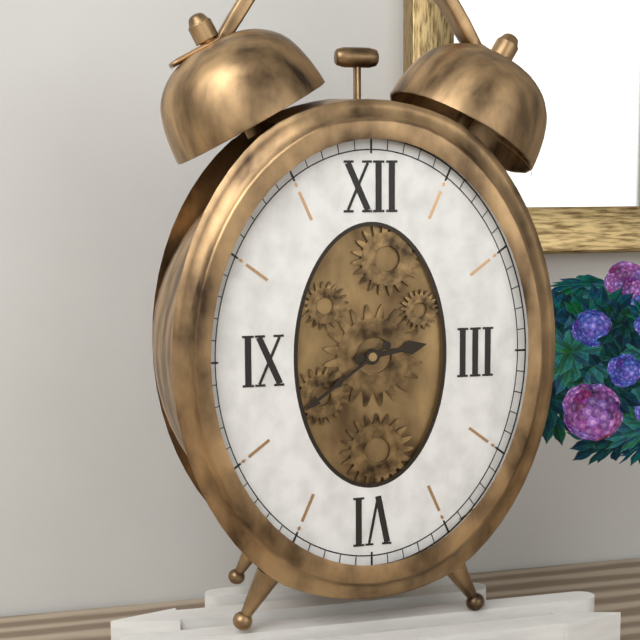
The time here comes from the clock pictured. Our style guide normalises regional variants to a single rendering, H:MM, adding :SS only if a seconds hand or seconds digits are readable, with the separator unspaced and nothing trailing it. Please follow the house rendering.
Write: 2:39
